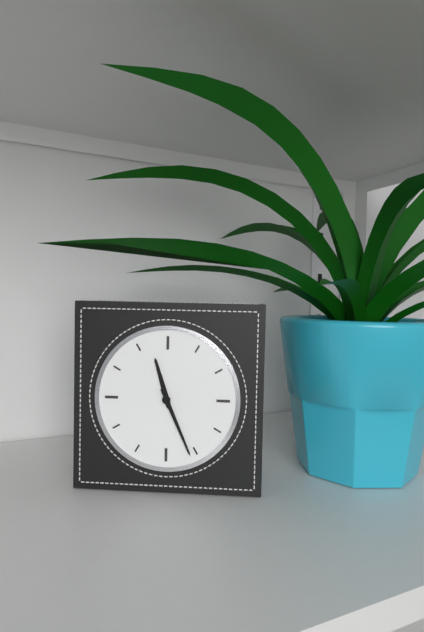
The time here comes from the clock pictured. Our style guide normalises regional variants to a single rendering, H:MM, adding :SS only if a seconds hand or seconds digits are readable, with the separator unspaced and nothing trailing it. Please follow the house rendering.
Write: 11:26
